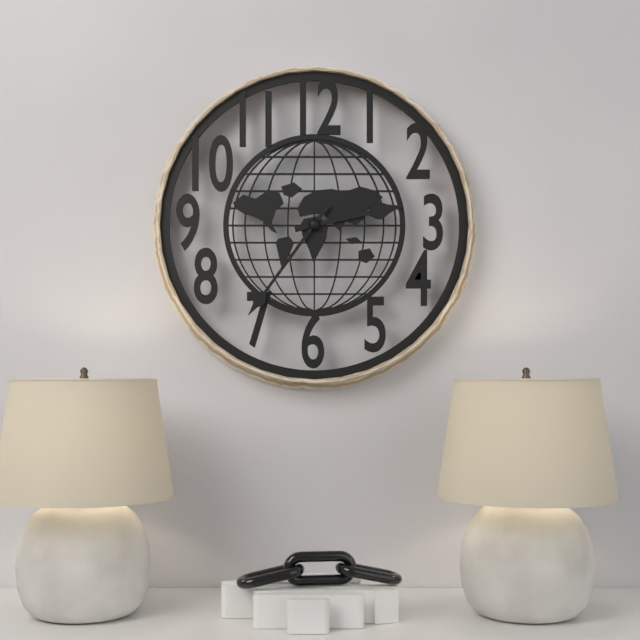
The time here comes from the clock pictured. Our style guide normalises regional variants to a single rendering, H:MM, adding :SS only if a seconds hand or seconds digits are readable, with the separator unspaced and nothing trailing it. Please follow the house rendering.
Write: 2:36
